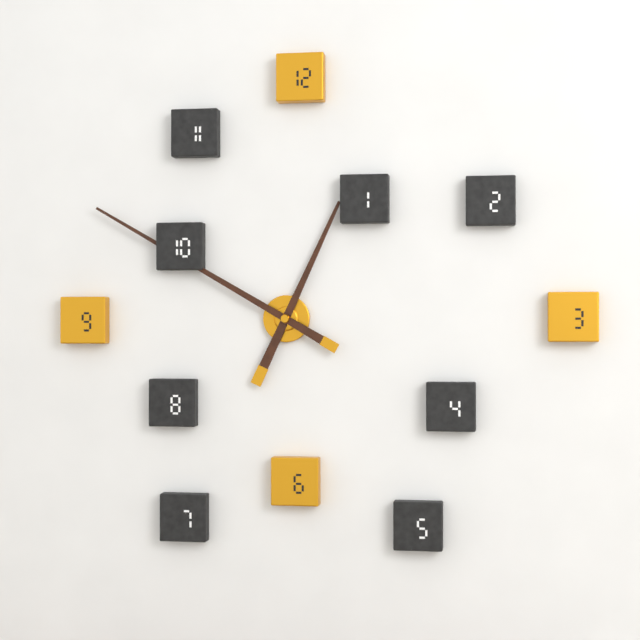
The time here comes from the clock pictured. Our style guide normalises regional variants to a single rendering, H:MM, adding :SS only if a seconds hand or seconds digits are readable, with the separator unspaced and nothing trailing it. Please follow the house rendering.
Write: 12:50
